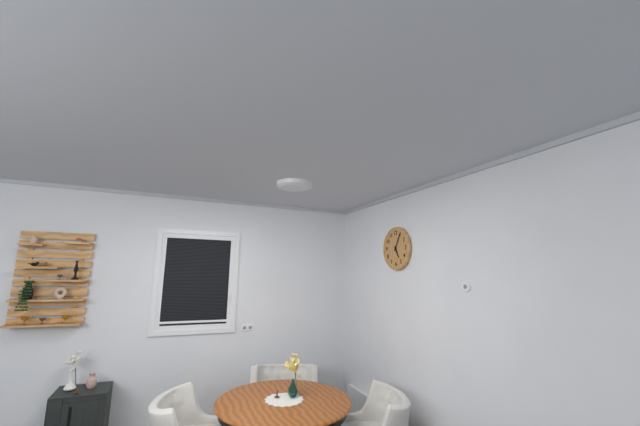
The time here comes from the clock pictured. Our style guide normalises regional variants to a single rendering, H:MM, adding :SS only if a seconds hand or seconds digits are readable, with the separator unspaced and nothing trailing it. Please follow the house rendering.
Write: 5:05
